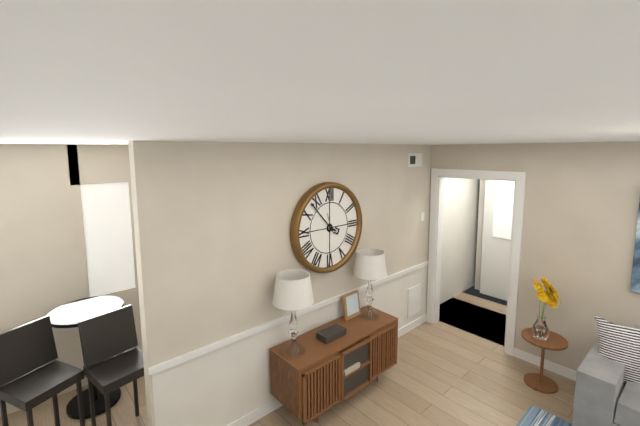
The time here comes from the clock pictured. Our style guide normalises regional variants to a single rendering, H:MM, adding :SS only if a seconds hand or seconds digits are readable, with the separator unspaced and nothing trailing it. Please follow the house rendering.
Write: 3:53
